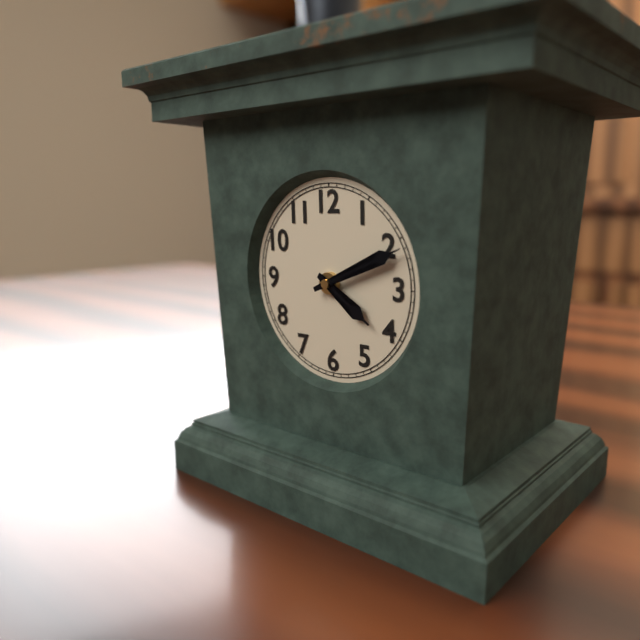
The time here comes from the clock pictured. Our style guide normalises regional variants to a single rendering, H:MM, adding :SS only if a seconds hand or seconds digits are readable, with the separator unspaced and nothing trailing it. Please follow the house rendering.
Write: 4:11
